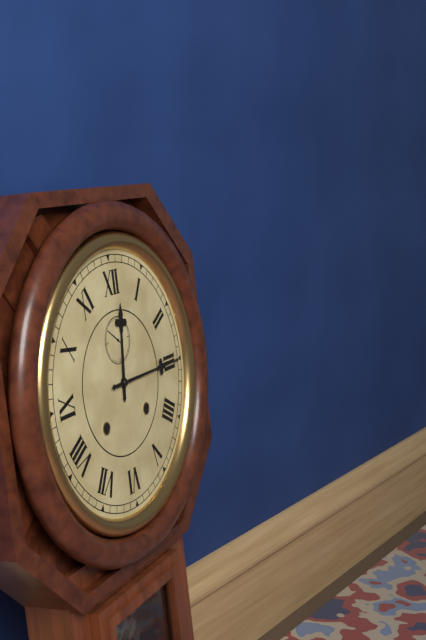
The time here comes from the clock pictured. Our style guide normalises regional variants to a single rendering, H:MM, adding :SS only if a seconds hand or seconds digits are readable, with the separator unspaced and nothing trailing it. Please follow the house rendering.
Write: 12:15
